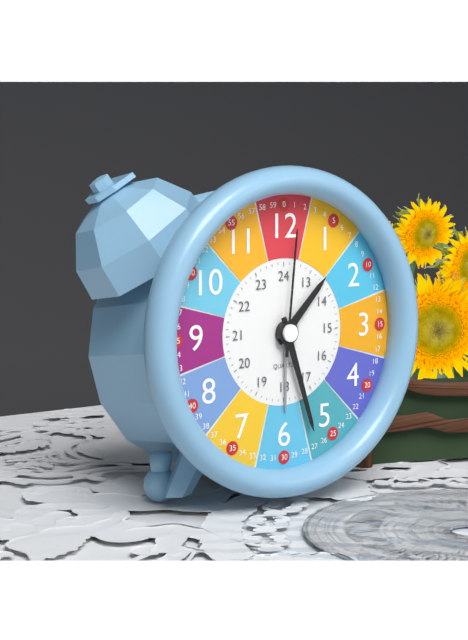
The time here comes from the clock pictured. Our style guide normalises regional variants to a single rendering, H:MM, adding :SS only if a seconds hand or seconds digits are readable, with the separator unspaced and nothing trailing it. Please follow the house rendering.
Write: 1:27:01
